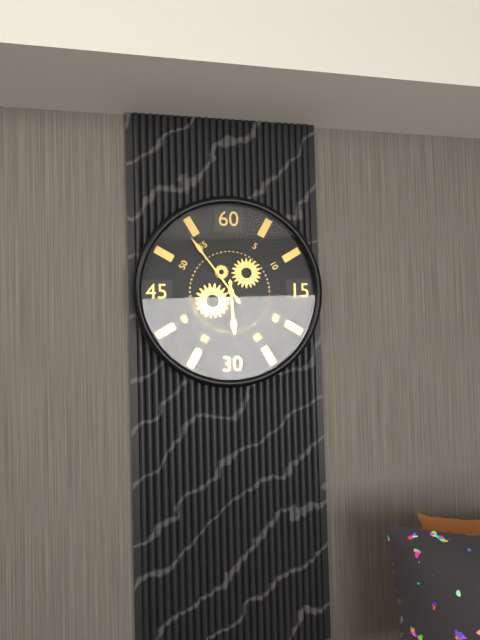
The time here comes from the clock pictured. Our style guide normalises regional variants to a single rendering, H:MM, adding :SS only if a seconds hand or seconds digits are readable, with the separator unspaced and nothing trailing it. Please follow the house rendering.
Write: 5:54
